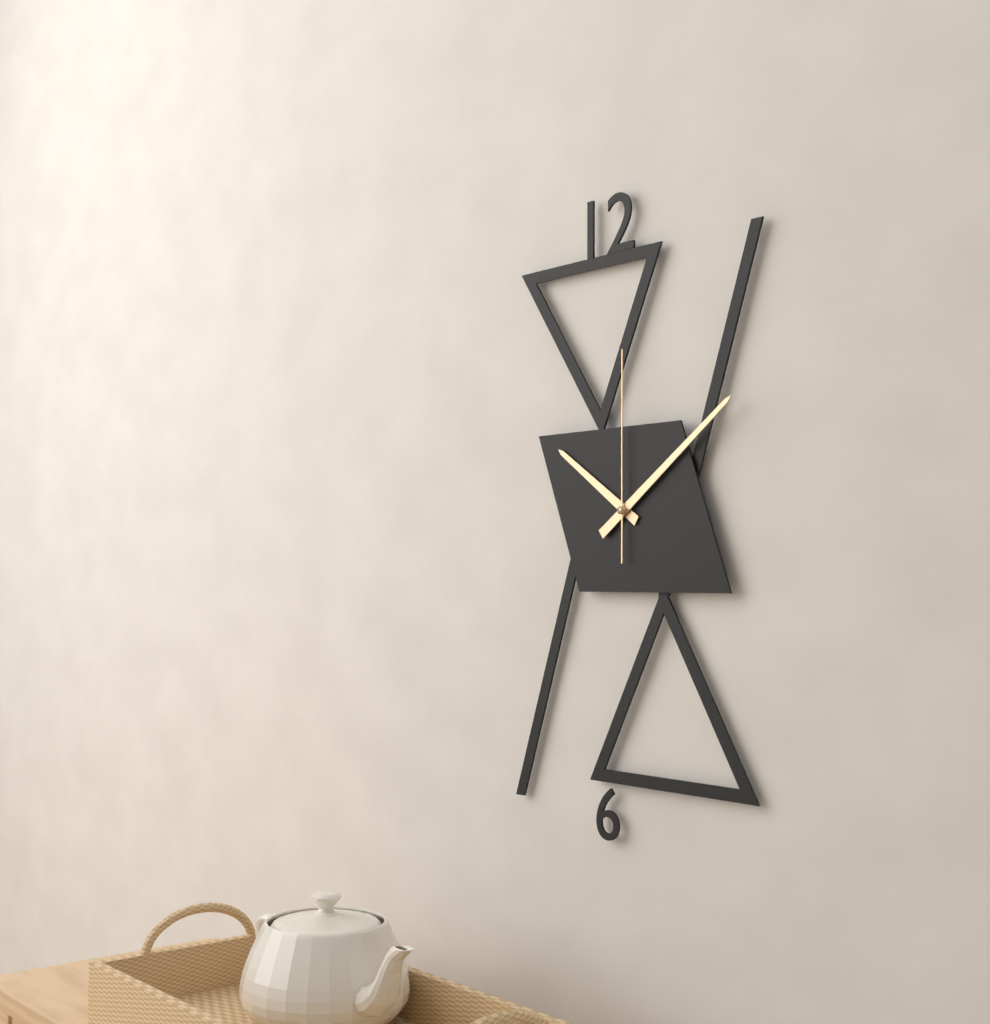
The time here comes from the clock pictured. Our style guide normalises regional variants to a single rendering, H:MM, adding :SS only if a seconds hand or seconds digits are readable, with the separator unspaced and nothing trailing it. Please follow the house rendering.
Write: 10:09:00
